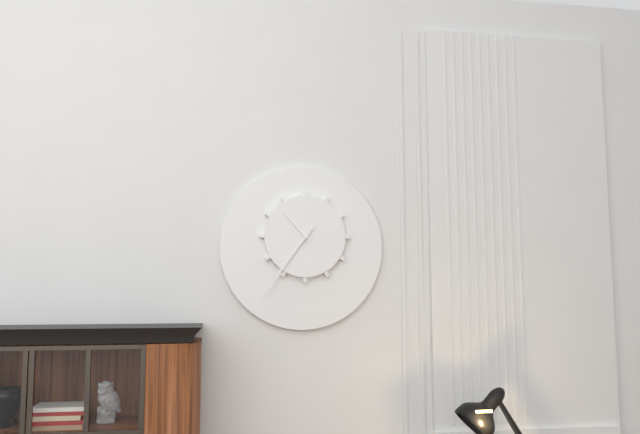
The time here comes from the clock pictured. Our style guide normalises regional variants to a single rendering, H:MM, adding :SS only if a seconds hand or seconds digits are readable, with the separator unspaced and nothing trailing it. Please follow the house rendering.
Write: 10:36
